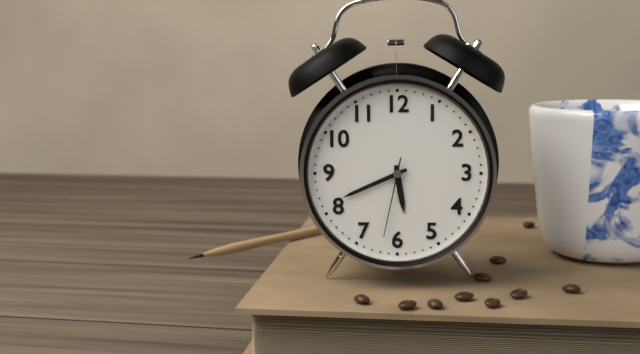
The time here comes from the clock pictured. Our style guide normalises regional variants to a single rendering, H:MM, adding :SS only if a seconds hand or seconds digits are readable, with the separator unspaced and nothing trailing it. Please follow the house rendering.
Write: 5:41:32
